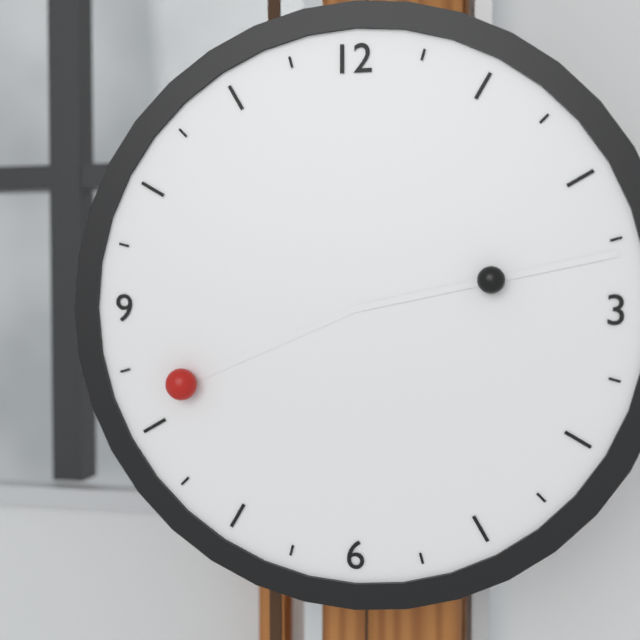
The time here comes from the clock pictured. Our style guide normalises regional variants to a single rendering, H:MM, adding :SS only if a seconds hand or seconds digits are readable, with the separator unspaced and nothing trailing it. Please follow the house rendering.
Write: 8:13
